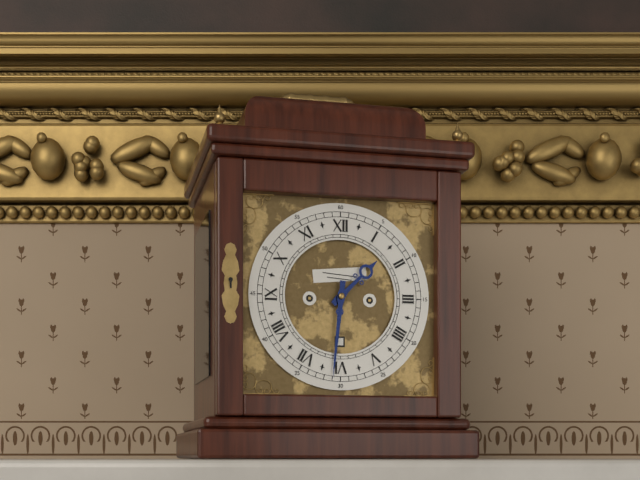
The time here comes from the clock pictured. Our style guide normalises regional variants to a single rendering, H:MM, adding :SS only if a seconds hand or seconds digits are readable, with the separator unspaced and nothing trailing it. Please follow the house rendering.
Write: 1:31
